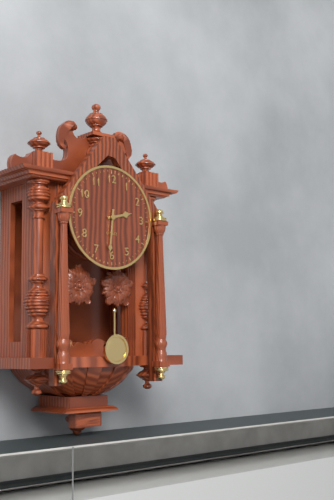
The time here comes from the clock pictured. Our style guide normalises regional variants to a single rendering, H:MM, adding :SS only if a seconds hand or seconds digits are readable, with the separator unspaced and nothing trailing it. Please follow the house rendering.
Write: 2:31
